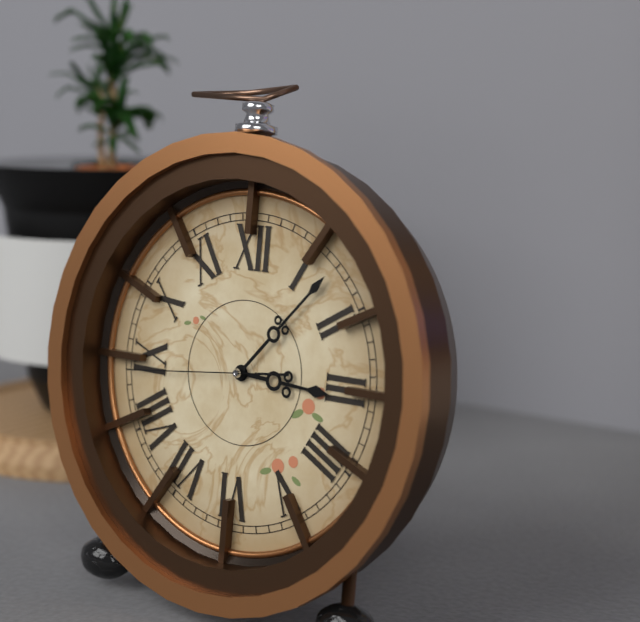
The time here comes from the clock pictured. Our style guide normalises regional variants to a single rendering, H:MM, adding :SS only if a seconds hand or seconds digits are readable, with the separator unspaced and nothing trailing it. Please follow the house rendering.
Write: 3:07:44
